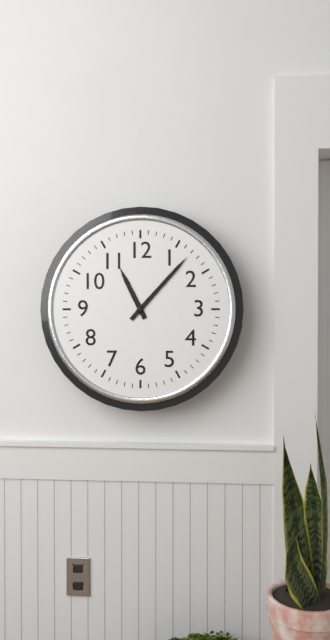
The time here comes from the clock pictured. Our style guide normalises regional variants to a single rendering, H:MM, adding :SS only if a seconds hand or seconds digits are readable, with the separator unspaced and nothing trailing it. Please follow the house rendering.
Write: 11:07
